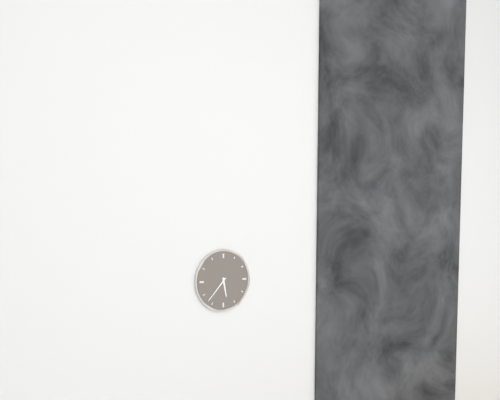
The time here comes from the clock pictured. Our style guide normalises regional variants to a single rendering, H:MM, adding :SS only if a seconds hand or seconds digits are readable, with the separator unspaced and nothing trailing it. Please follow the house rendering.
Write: 5:37
